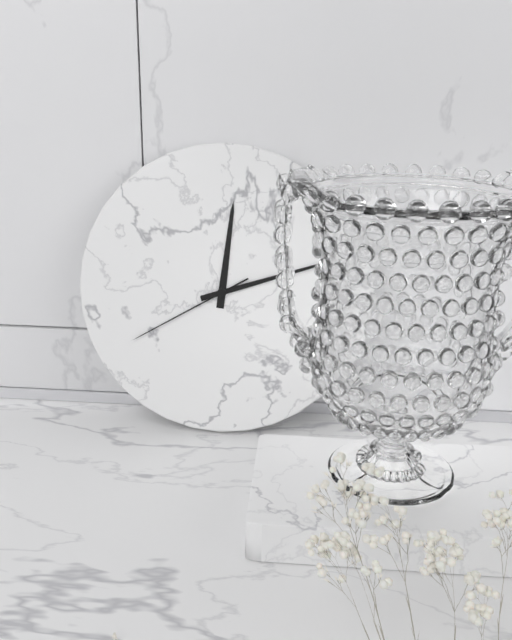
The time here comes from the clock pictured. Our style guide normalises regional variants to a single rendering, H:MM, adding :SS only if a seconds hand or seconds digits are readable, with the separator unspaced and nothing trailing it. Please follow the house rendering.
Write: 12:12:40
